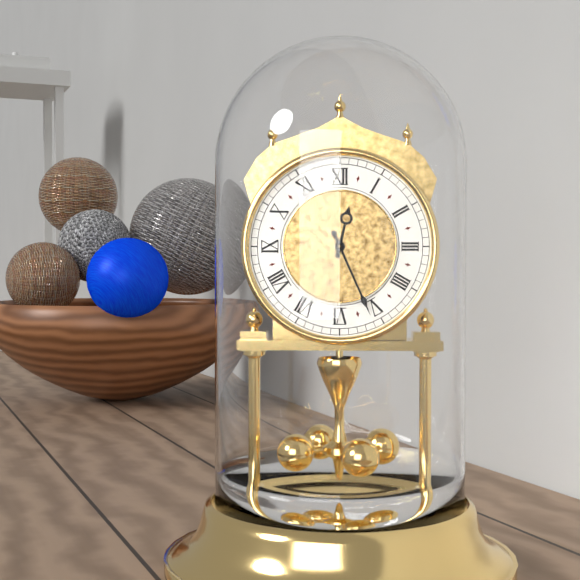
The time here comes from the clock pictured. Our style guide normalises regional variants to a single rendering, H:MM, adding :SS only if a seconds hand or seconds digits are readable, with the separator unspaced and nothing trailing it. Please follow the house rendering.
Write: 12:26
